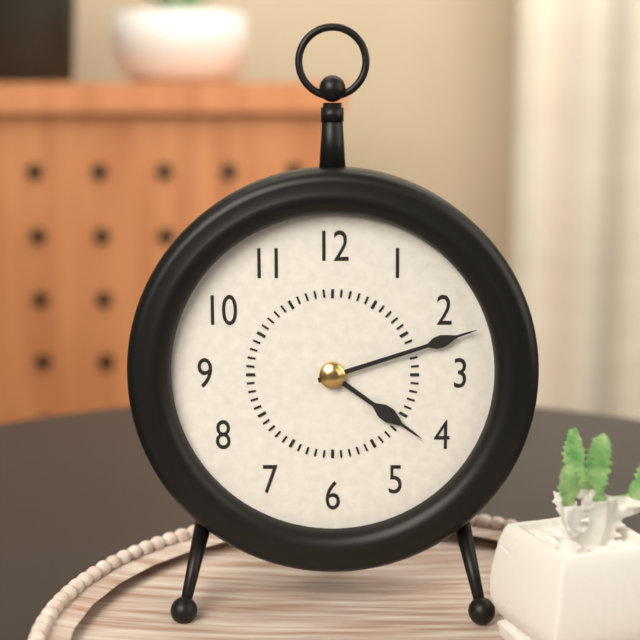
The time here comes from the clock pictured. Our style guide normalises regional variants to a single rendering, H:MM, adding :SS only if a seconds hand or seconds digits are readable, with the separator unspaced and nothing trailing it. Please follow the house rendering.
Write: 4:12
